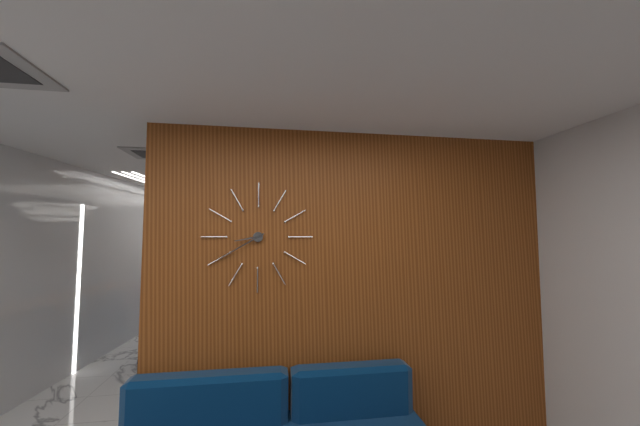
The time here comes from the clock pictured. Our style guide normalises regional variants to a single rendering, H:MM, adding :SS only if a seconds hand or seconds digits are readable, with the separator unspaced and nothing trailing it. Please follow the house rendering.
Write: 8:40
